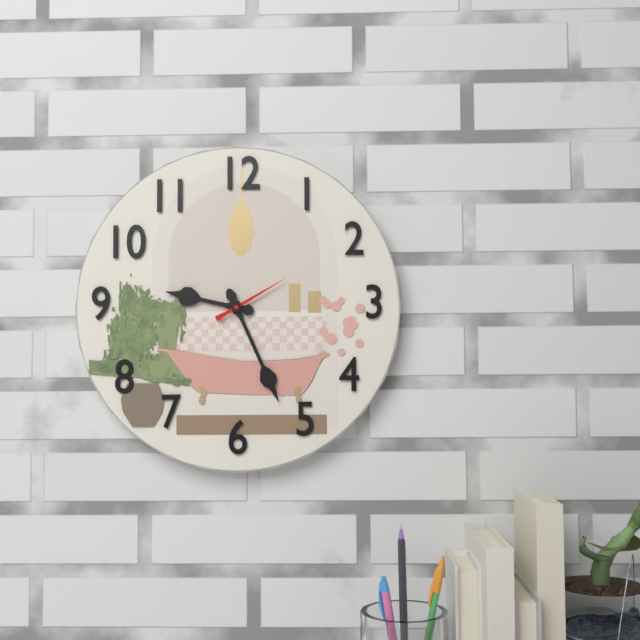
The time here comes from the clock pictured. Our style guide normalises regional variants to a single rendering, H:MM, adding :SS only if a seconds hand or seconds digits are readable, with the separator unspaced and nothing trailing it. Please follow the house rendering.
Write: 9:26:10
